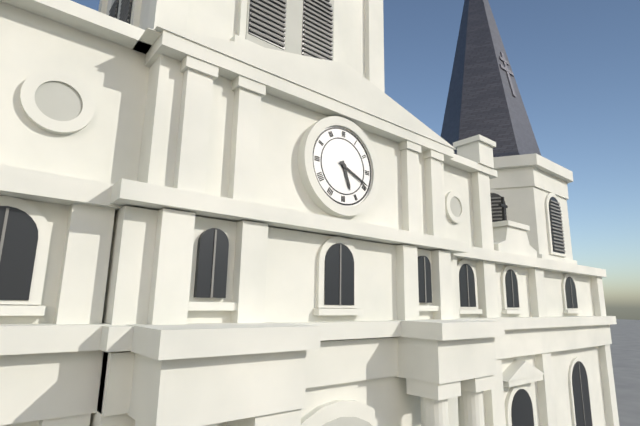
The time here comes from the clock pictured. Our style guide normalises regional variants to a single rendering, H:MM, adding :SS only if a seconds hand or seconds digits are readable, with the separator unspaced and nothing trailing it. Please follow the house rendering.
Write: 5:19
